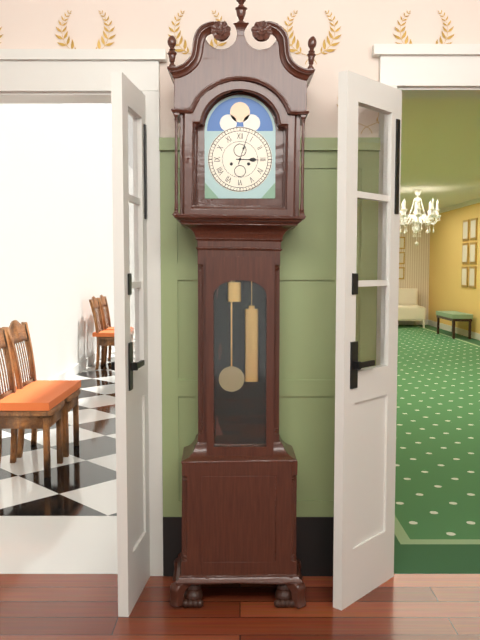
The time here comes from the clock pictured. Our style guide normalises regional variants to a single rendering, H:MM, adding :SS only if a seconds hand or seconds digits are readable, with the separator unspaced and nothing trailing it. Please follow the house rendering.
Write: 3:03
